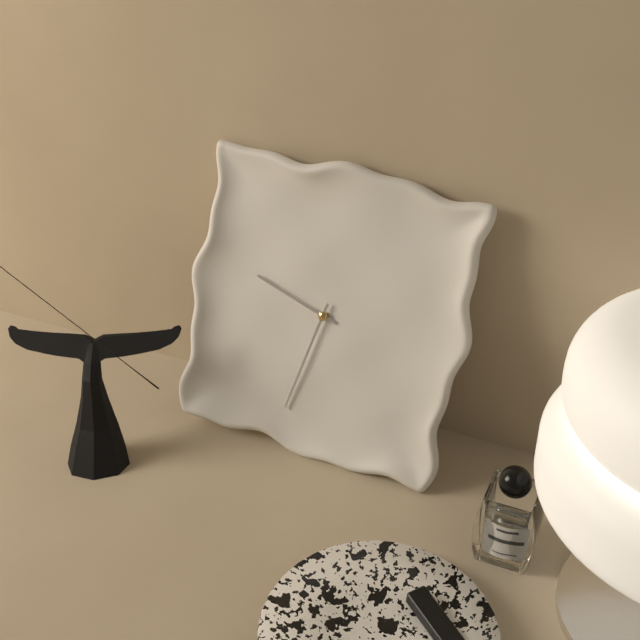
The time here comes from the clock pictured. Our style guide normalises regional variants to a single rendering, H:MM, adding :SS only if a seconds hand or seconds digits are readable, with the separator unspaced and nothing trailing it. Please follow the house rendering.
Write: 9:32
